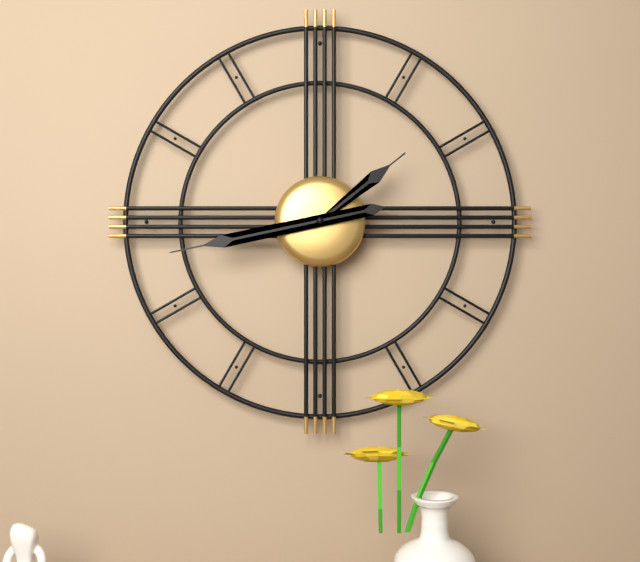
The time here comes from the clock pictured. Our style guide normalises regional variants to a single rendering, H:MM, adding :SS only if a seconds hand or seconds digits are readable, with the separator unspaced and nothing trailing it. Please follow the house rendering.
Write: 1:43
